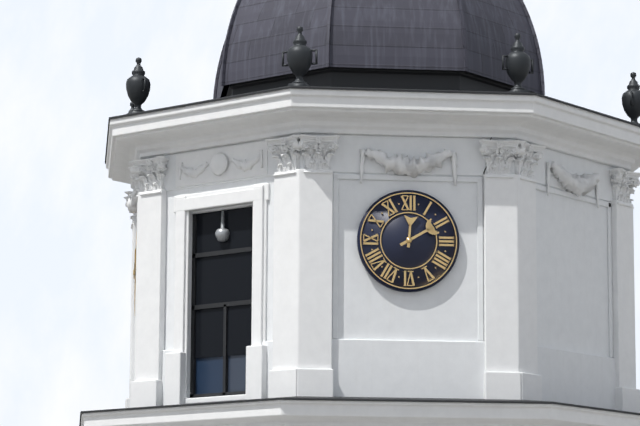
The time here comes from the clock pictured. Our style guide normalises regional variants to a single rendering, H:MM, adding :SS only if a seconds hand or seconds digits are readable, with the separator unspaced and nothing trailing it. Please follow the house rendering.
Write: 12:10
